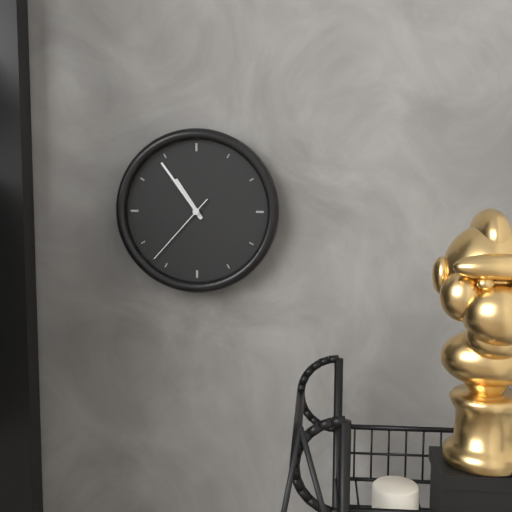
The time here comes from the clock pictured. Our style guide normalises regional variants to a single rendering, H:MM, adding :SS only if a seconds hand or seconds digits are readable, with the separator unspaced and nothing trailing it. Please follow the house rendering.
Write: 10:54:37
